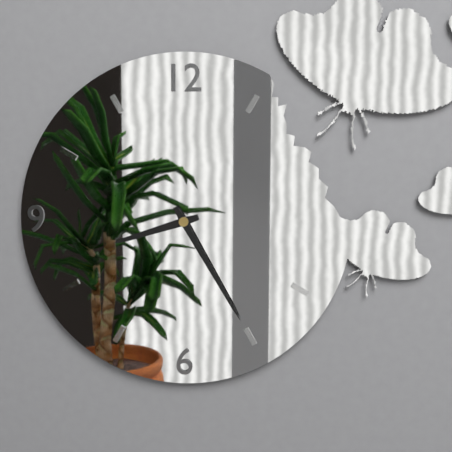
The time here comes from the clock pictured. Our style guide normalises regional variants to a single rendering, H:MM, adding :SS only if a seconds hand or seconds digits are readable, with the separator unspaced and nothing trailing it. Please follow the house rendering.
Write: 8:25
